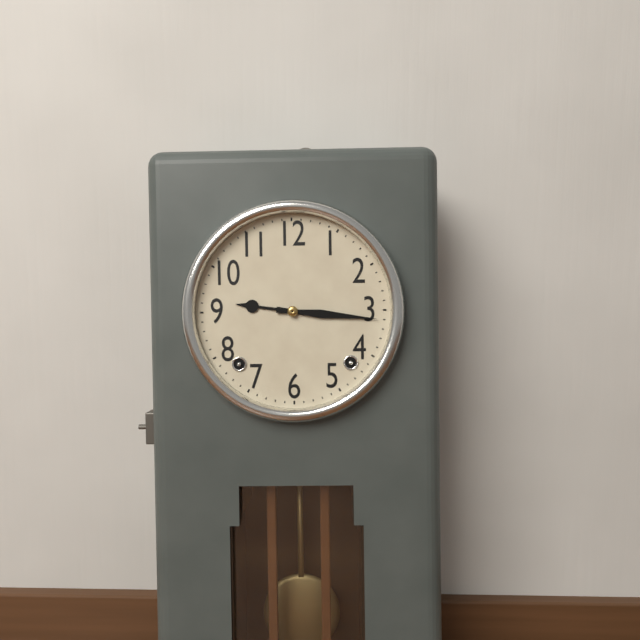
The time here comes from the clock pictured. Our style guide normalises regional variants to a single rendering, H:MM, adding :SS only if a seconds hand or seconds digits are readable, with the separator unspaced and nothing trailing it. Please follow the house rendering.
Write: 9:16
